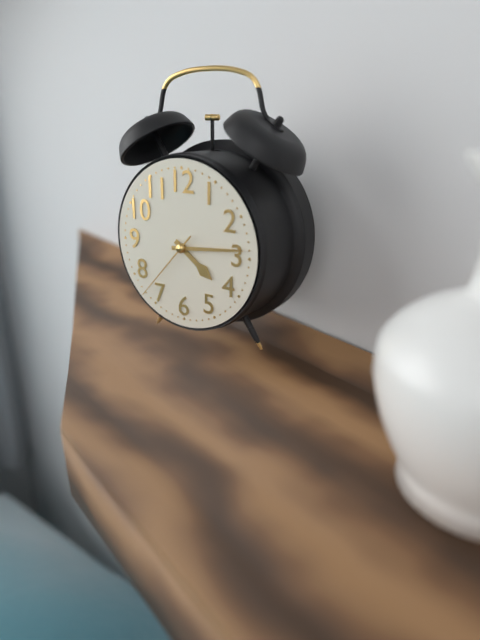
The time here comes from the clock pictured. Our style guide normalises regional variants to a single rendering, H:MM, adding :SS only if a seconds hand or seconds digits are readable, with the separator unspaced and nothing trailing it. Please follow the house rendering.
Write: 4:14:37
